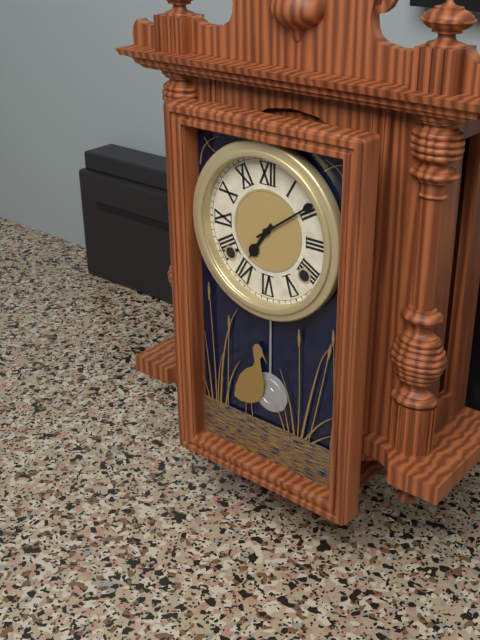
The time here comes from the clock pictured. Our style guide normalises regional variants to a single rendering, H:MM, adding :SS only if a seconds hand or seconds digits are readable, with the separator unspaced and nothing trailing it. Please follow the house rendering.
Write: 7:09
